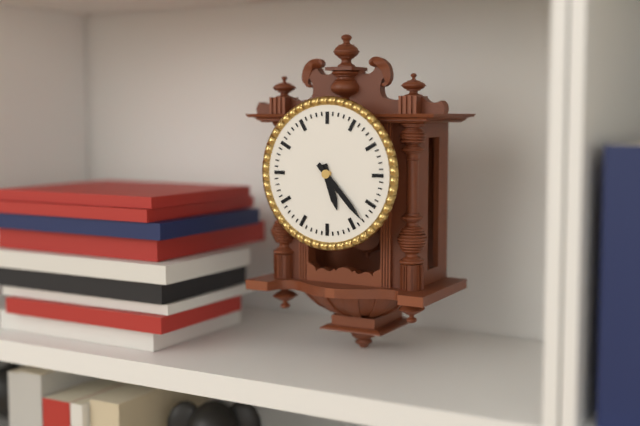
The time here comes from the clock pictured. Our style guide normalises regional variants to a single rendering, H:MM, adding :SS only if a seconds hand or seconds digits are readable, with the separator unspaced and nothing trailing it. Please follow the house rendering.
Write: 5:23
